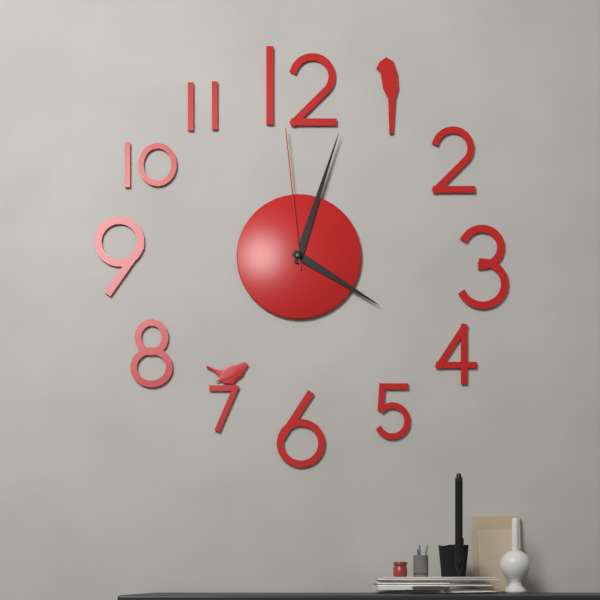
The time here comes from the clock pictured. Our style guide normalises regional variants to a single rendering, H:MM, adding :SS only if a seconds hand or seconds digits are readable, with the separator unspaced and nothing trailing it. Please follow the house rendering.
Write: 4:03:59
